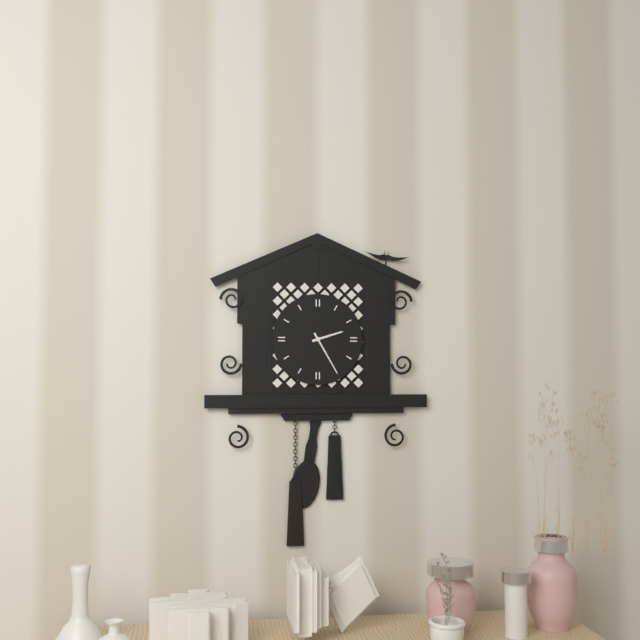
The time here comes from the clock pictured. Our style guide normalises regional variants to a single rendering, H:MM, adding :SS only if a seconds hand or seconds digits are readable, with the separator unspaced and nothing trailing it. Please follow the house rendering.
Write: 2:25
